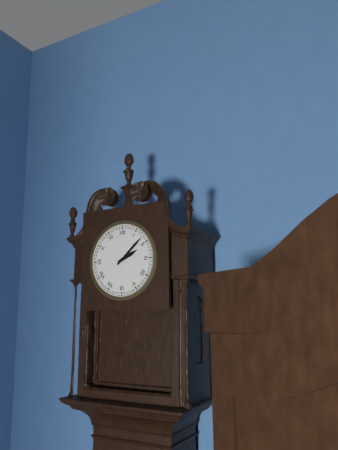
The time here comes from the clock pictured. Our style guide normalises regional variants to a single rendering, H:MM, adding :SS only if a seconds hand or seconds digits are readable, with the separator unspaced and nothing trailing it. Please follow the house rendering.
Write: 2:08
